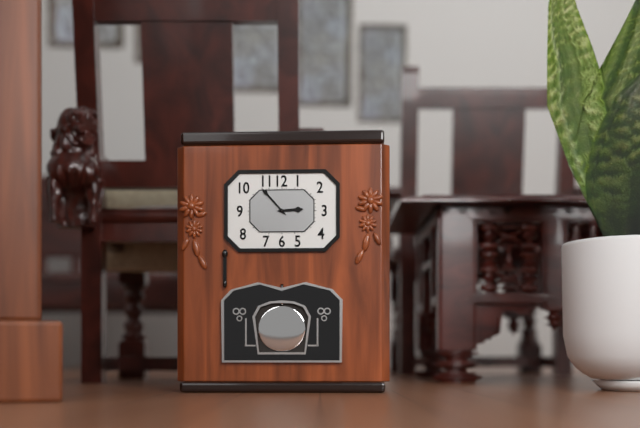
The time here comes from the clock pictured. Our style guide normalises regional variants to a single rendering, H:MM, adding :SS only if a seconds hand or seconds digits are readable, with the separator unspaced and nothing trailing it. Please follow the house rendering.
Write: 2:53
